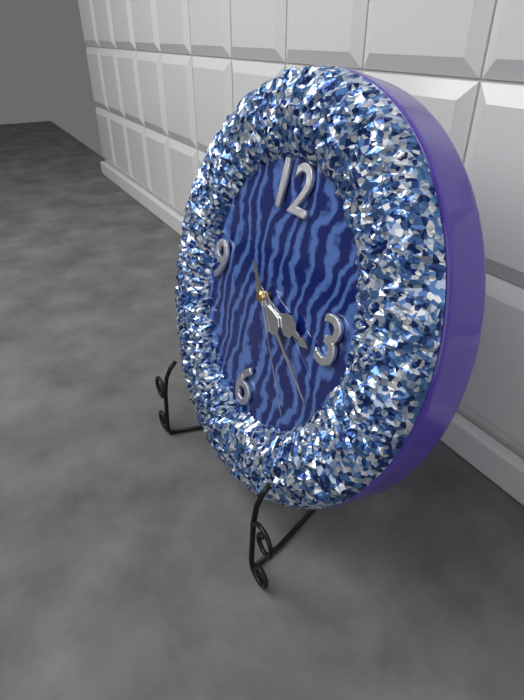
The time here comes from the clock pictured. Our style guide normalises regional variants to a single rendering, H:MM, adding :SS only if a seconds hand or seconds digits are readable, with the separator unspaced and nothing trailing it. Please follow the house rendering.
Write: 3:20:23
